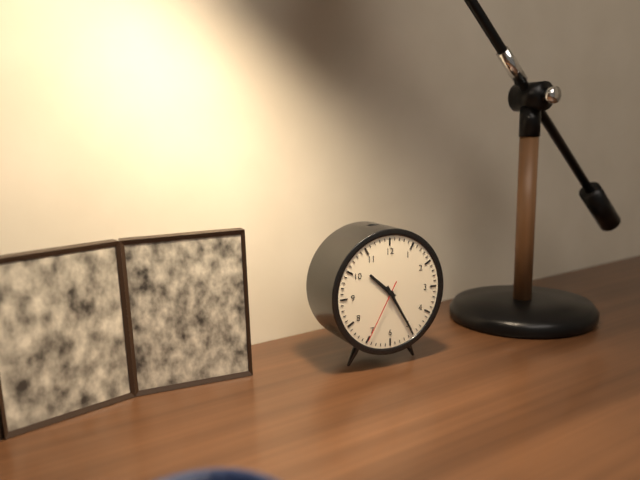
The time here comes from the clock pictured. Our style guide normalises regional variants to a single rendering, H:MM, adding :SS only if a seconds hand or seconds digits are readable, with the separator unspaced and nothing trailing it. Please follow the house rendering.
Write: 10:25:35
